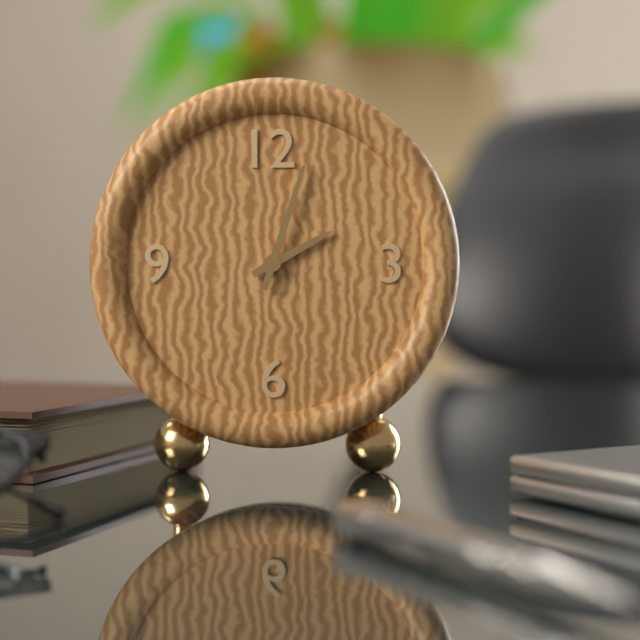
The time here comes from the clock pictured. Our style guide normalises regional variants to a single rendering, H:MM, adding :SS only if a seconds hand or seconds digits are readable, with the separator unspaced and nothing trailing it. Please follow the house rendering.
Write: 2:03
